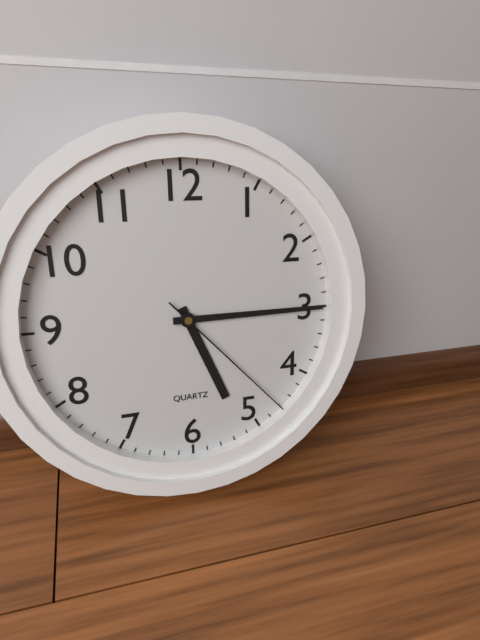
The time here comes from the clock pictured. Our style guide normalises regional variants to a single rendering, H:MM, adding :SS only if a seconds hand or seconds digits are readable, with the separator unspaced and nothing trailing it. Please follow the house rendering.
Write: 5:15:23
